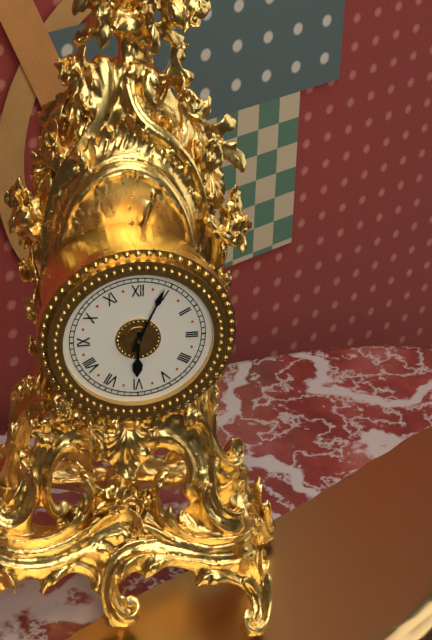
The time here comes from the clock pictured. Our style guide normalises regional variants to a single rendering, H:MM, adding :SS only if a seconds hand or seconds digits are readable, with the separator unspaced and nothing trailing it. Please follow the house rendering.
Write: 6:04
